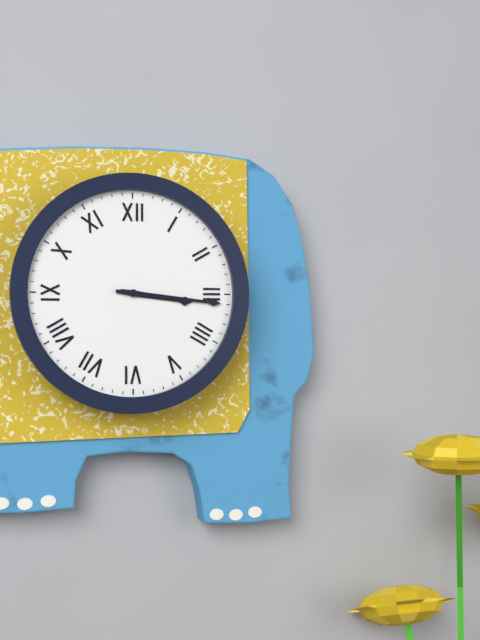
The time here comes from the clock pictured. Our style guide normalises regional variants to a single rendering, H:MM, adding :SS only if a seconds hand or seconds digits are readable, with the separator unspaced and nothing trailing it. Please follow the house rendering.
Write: 3:16
